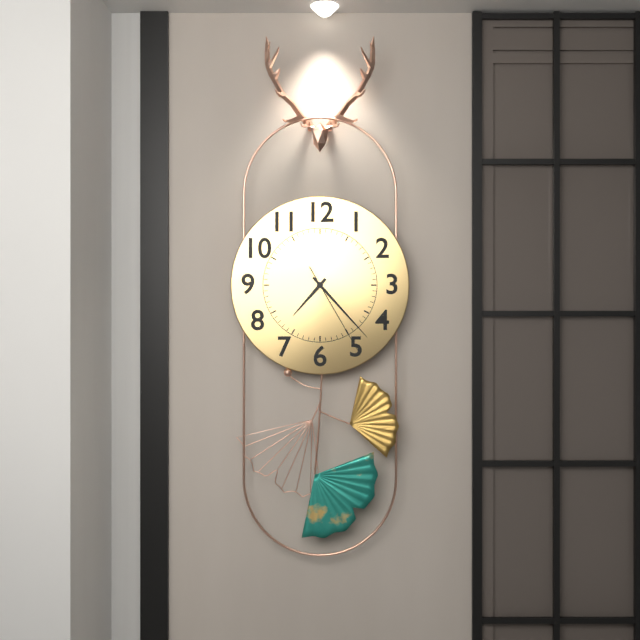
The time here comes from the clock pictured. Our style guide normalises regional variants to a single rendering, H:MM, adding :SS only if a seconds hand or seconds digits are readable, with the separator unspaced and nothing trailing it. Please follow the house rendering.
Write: 7:23:25
